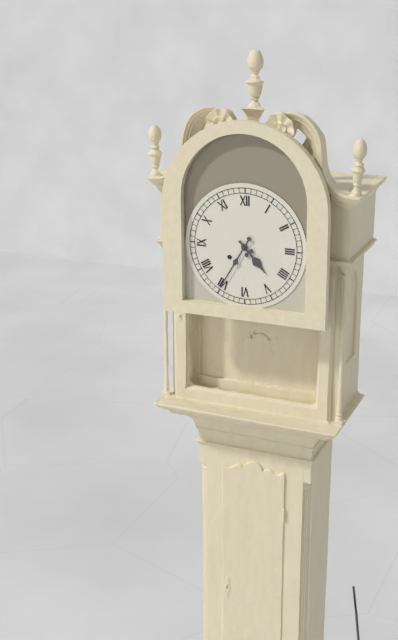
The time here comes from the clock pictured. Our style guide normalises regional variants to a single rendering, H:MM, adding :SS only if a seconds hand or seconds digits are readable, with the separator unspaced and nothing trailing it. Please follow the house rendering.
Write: 4:35
